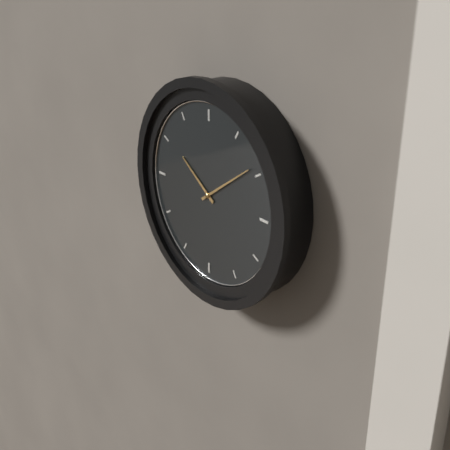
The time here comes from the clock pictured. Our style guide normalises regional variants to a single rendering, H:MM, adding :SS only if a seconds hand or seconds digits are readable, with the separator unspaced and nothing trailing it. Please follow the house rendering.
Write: 10:09
